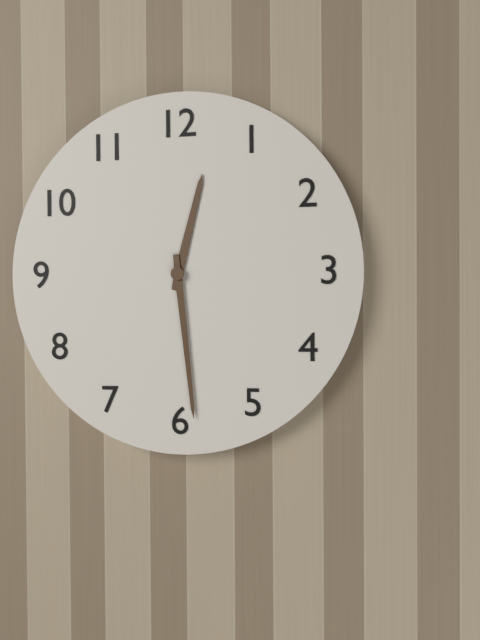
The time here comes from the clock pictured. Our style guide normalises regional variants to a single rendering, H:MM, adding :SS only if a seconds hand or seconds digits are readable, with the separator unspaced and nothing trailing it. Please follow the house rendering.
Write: 12:29
